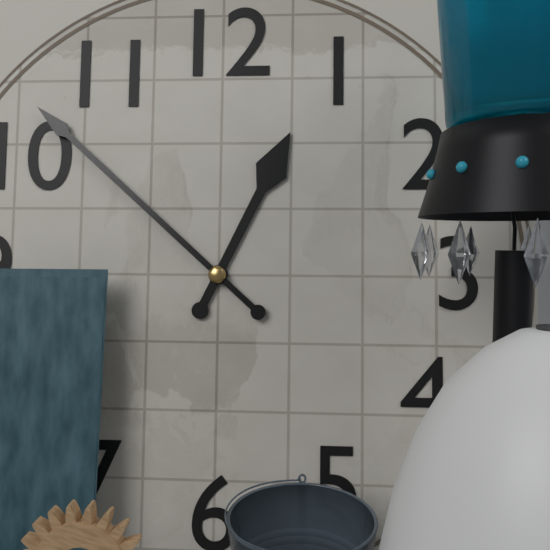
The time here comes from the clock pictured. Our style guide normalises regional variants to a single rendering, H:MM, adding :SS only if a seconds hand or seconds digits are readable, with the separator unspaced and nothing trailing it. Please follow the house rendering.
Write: 12:52
